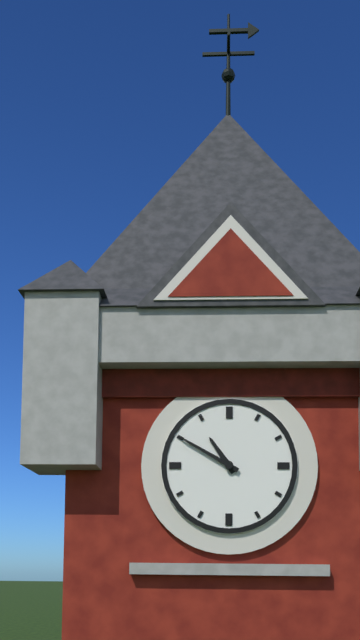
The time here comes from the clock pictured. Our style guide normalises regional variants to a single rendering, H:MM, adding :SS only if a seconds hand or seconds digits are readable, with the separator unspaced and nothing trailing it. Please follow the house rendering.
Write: 10:50
